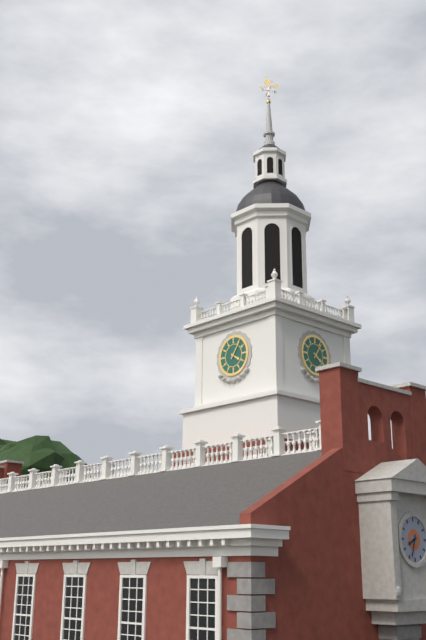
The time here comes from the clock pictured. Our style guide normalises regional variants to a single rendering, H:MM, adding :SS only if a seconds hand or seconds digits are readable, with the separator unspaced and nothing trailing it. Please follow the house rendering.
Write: 4:06
